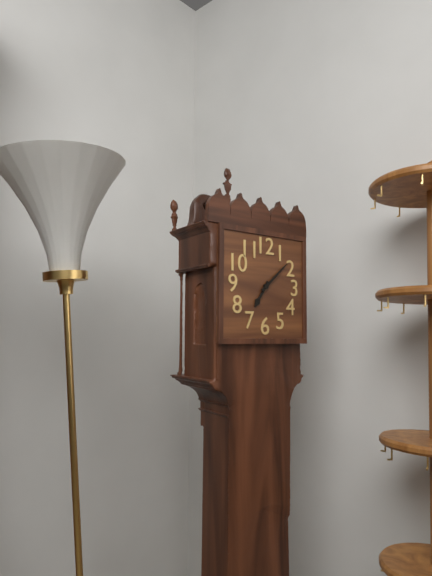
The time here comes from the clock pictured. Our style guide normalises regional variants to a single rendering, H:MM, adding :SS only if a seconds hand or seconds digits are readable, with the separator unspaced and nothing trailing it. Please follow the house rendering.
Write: 7:08
